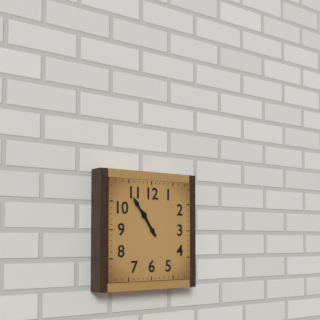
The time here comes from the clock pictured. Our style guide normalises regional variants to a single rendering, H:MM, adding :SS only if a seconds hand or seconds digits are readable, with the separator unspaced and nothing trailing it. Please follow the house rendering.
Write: 10:54
